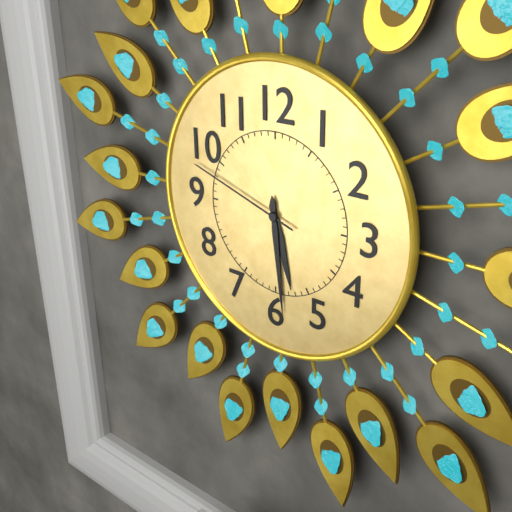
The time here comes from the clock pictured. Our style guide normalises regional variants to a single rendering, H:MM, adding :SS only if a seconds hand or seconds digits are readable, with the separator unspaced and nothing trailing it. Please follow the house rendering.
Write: 5:29:48
